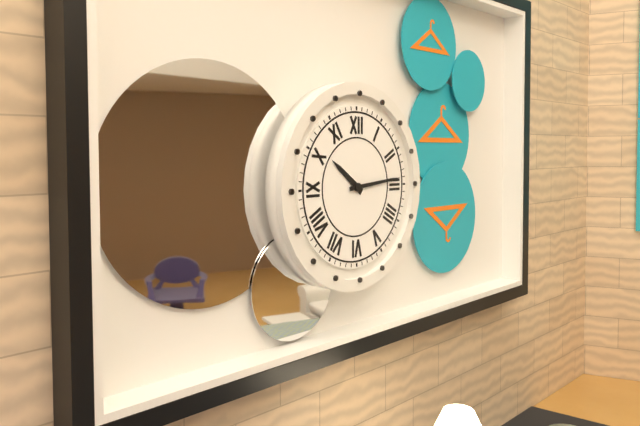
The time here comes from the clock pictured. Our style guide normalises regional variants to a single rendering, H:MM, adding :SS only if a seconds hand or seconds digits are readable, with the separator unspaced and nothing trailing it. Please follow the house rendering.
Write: 10:14
